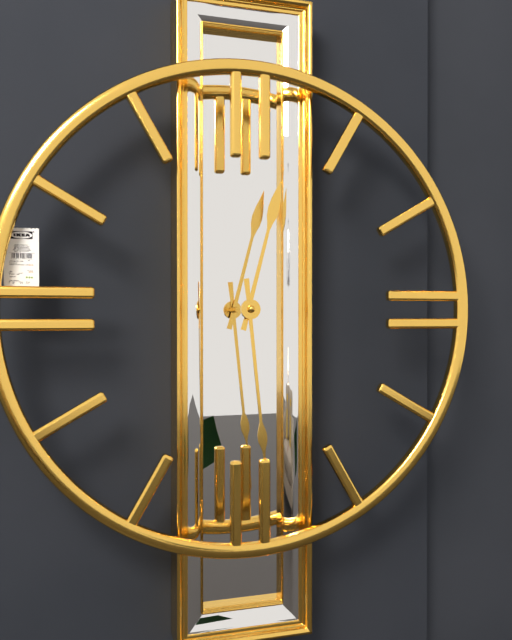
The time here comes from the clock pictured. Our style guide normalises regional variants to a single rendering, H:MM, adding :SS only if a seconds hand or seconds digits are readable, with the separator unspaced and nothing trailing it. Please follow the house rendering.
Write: 12:29
